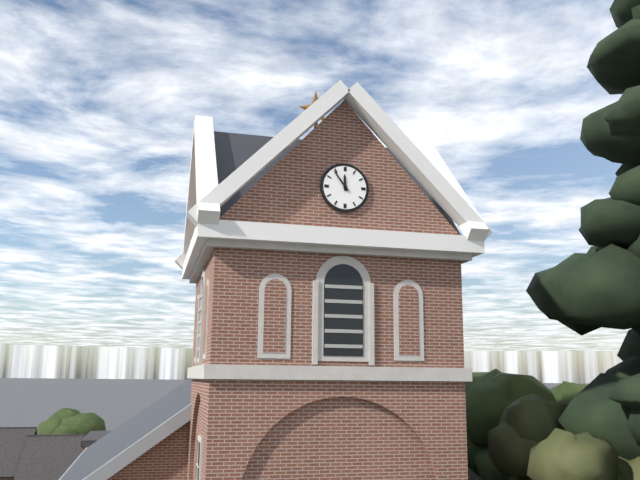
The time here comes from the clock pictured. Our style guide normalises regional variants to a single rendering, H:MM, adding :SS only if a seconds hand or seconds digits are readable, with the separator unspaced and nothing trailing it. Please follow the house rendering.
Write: 11:54
